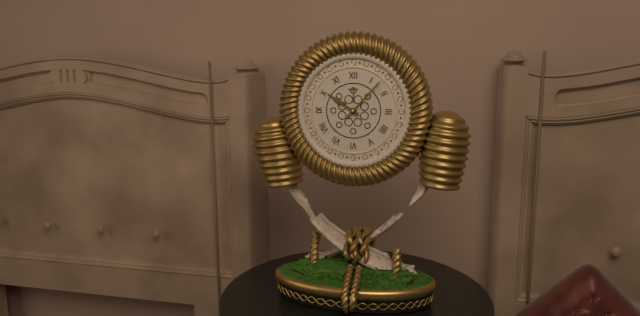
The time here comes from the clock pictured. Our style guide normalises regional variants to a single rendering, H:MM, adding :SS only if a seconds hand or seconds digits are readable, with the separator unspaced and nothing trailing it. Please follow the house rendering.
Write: 10:07
